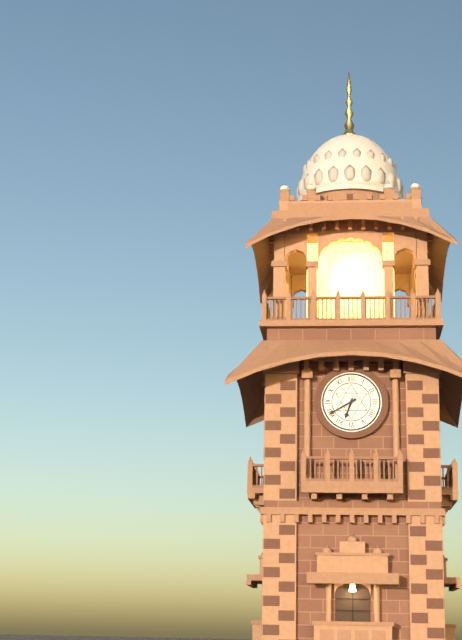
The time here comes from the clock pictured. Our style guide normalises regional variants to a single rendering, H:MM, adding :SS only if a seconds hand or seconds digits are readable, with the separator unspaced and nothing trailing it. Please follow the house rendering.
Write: 6:40
